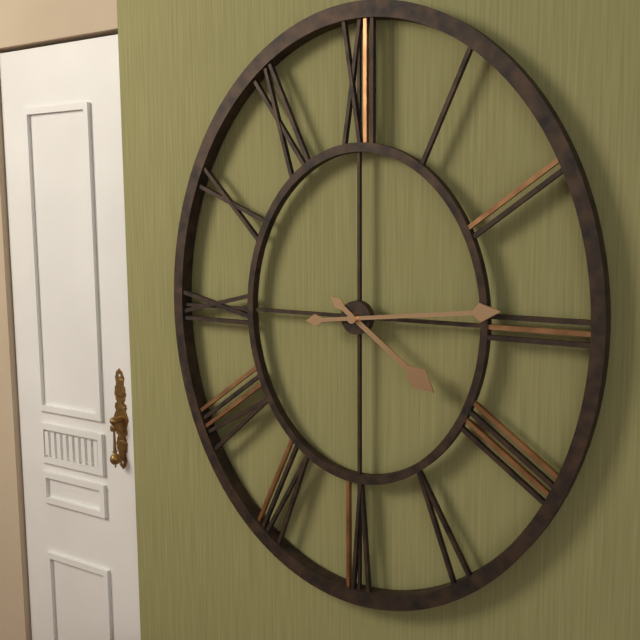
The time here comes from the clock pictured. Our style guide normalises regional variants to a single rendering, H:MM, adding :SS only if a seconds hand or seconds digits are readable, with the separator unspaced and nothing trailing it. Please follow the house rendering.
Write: 4:14
